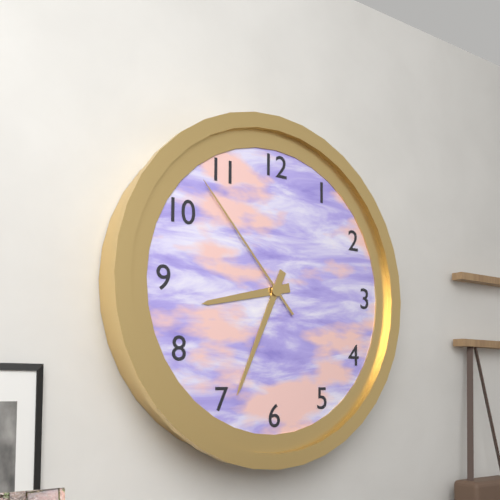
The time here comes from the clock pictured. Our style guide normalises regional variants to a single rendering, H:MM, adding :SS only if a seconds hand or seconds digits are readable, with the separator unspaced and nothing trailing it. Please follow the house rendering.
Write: 8:34:53
